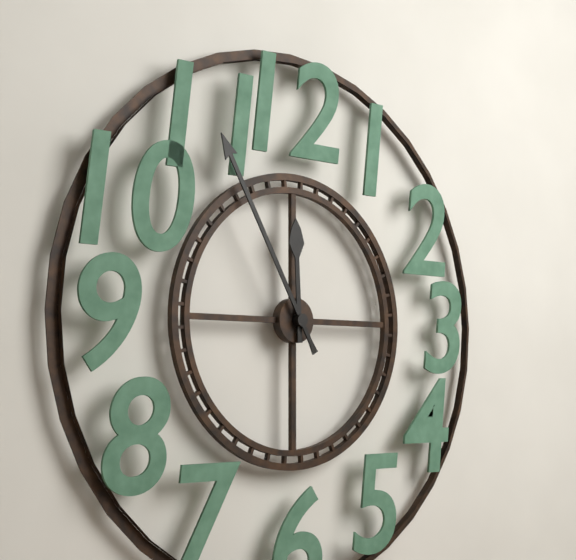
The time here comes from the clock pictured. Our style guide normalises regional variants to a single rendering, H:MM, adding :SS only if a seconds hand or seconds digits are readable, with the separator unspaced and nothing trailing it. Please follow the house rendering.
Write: 11:55
